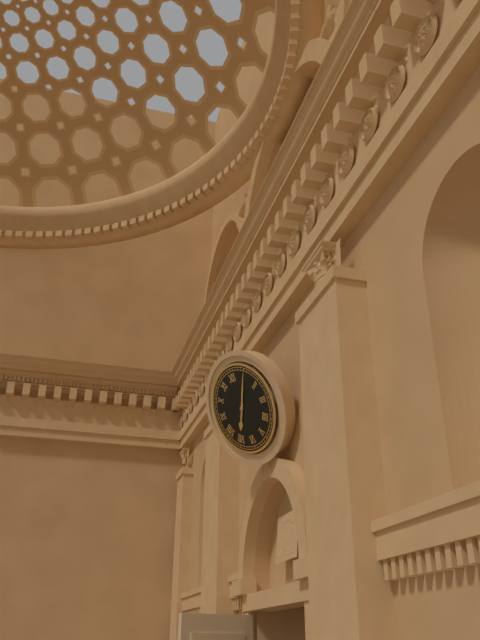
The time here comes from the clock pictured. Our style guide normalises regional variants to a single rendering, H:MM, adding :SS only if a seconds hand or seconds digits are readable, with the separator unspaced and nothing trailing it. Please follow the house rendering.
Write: 7:05
